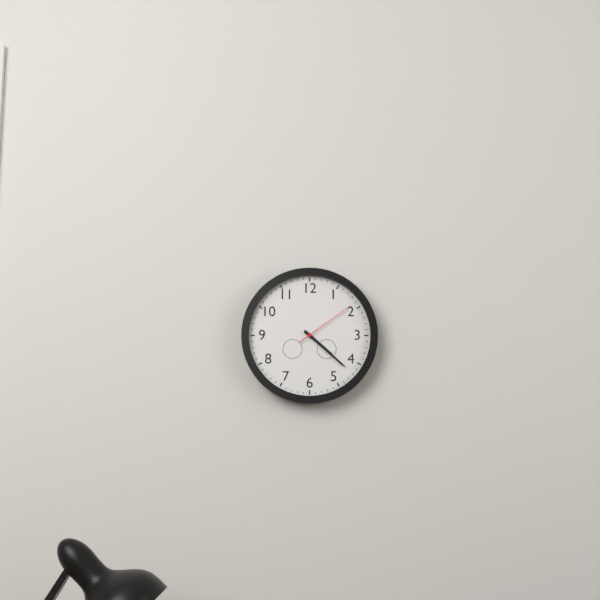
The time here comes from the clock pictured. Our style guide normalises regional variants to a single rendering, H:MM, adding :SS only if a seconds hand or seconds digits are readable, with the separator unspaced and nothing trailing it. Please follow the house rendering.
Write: 4:22:09
